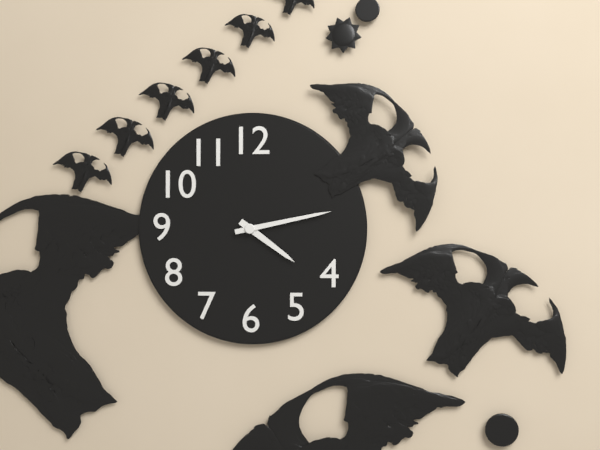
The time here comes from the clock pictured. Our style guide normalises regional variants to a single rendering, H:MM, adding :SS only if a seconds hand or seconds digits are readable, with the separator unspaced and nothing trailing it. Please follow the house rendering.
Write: 4:13
